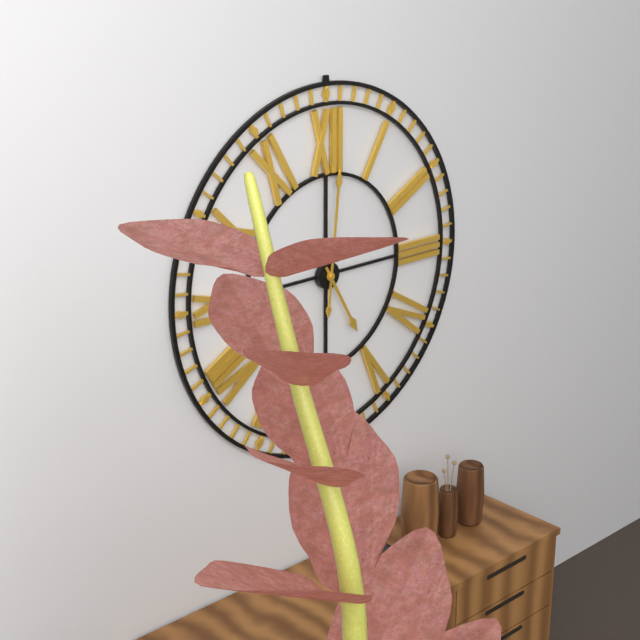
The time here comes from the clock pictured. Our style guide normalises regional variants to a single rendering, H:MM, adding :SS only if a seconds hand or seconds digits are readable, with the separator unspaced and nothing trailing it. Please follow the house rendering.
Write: 5:01
